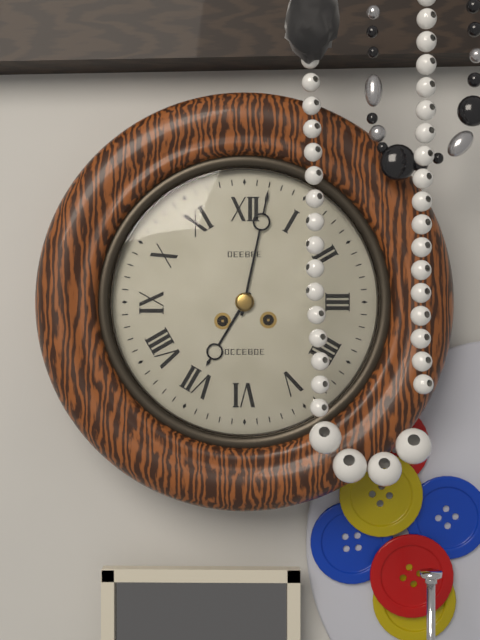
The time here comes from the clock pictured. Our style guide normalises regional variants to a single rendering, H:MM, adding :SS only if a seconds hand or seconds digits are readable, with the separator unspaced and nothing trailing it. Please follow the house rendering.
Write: 7:02
